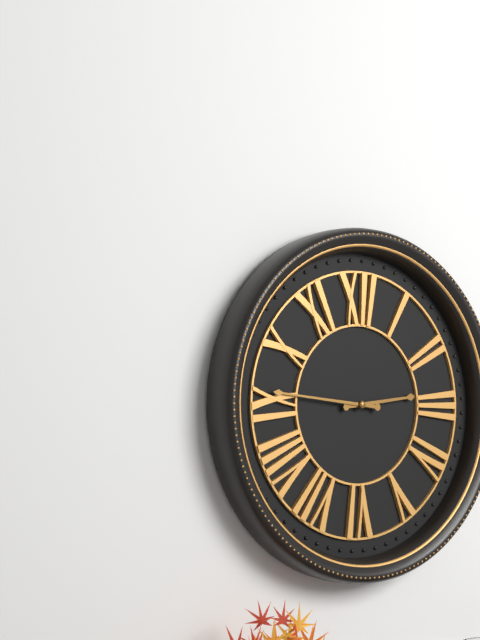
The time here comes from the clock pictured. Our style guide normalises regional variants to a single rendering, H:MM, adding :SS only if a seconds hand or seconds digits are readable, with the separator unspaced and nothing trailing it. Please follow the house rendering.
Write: 2:46
